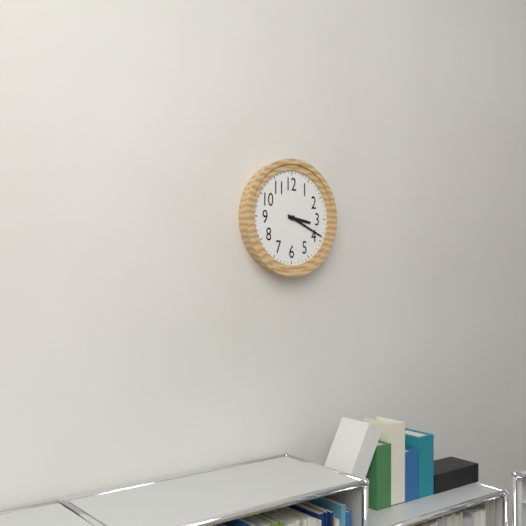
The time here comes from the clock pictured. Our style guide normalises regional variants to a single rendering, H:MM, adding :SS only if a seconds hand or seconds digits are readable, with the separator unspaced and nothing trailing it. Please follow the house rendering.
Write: 3:19
